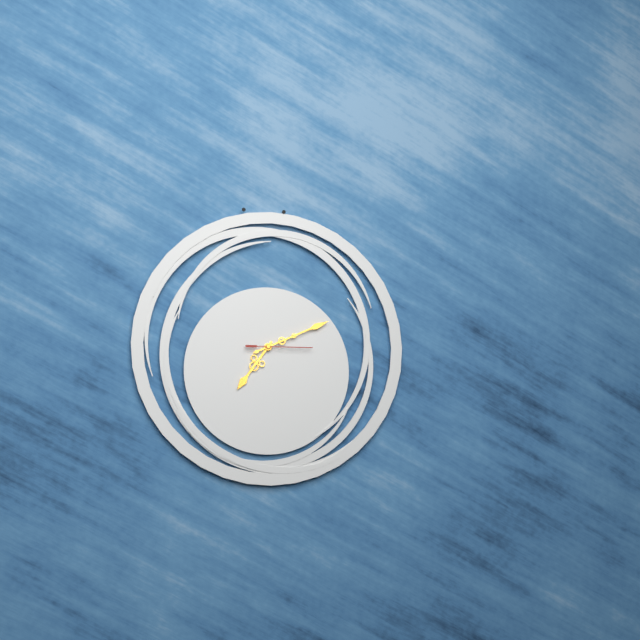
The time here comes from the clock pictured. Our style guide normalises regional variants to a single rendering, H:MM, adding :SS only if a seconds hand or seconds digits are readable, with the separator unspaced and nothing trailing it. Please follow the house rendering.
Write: 7:11:15
